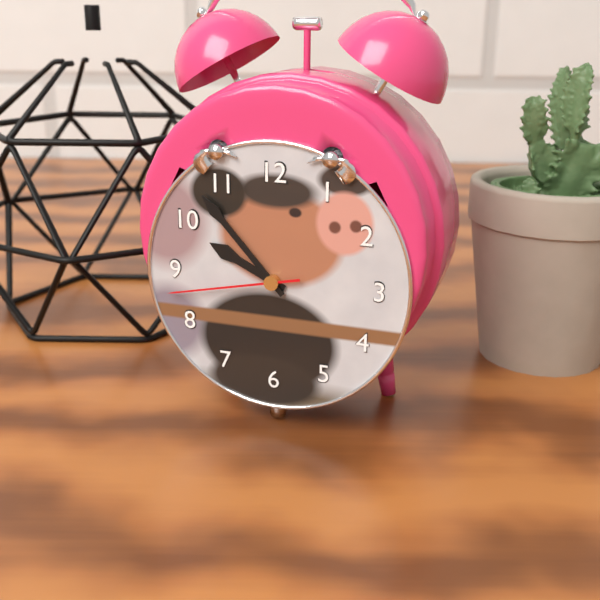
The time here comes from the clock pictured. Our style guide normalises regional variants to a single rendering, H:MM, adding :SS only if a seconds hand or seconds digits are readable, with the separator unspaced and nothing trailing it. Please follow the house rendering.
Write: 9:53:43
